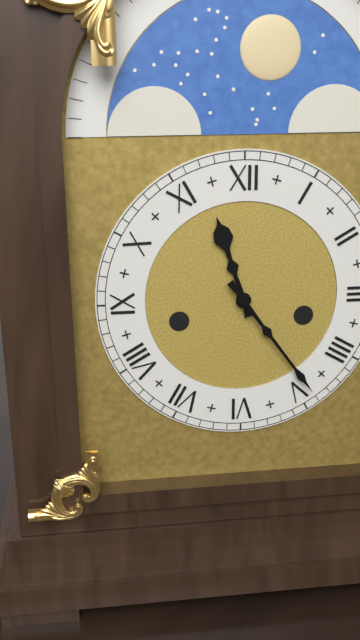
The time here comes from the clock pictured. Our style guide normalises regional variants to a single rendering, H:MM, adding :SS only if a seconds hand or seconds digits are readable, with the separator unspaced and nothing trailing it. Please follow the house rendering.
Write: 11:24
